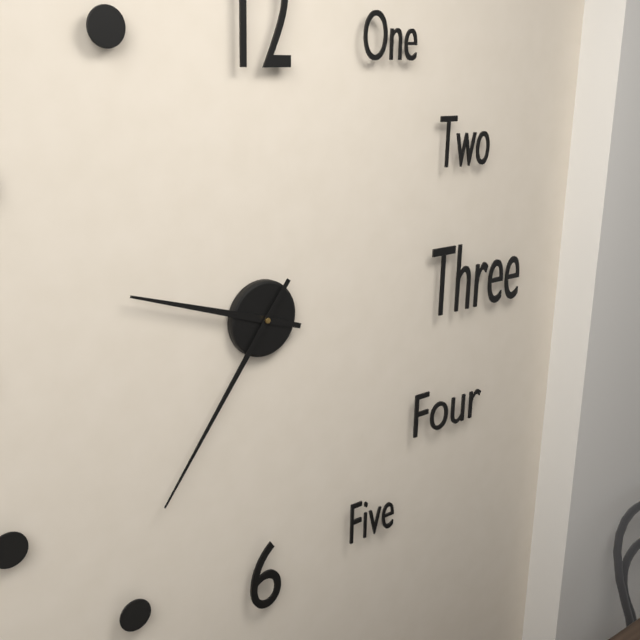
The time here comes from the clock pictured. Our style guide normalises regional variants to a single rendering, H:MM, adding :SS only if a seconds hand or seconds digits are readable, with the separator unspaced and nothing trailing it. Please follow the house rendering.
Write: 9:36
